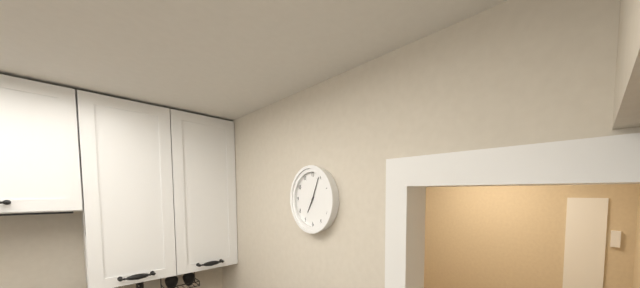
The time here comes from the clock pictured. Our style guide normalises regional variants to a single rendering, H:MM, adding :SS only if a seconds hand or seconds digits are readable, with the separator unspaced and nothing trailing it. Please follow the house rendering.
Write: 7:04
